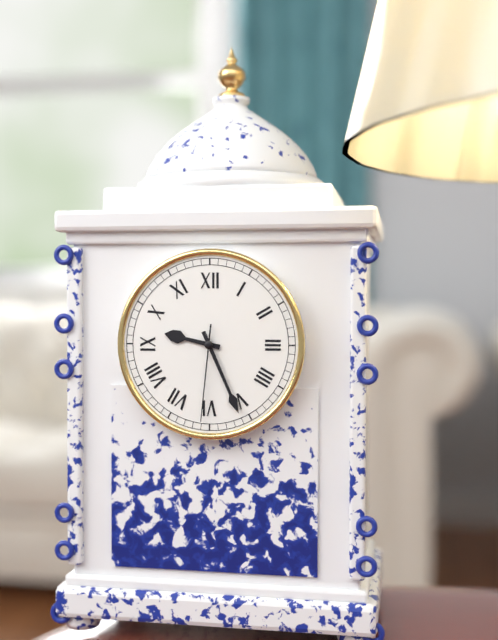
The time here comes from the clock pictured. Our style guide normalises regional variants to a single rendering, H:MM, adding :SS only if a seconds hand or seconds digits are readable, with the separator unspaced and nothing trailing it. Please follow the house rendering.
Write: 9:26:31
